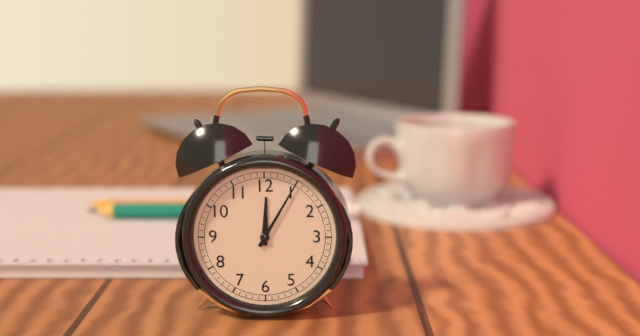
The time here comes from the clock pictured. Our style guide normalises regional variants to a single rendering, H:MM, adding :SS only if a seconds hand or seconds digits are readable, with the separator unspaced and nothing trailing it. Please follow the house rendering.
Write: 12:05
